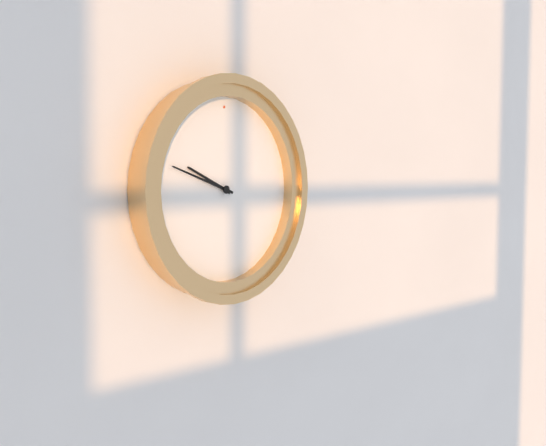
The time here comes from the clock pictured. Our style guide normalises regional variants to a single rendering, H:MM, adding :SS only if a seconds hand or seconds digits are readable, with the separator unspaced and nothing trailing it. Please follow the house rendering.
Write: 9:48
